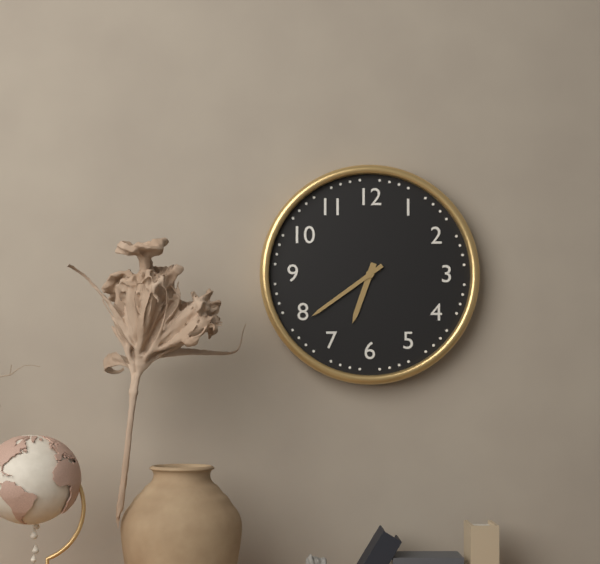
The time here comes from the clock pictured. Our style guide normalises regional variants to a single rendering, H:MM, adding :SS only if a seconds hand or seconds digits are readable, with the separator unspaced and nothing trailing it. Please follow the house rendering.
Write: 6:39
